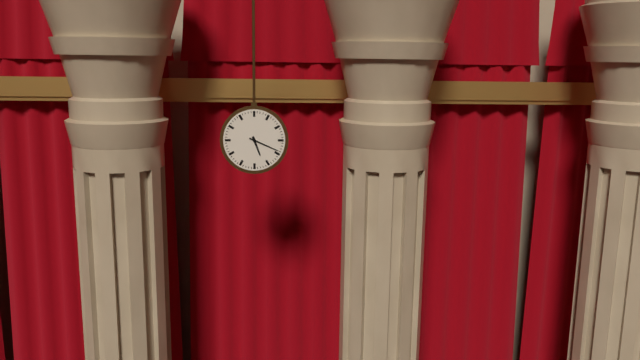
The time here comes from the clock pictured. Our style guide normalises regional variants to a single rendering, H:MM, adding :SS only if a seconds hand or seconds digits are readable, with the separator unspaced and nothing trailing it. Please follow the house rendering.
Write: 5:19
